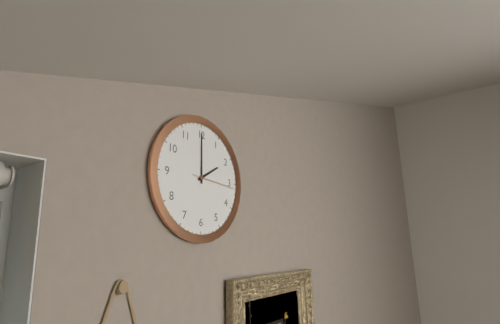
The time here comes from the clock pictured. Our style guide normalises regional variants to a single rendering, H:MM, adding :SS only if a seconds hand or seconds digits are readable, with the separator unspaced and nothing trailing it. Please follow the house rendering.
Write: 2:00
